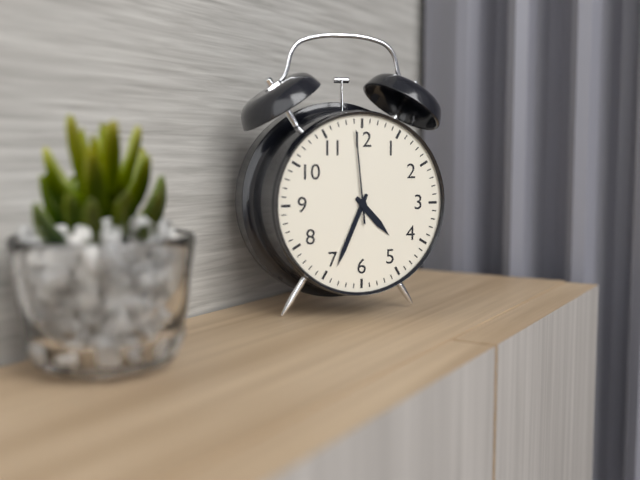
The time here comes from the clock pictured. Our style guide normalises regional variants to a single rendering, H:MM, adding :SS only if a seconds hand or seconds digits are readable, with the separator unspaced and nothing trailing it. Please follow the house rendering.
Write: 4:34:59
